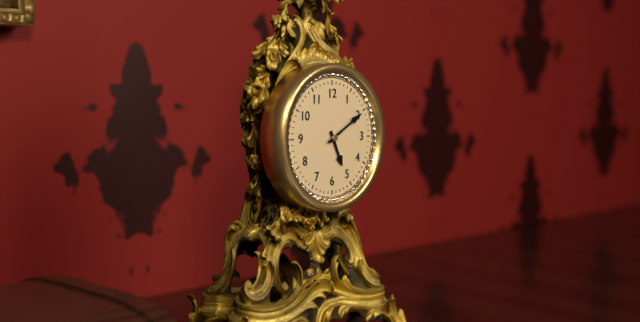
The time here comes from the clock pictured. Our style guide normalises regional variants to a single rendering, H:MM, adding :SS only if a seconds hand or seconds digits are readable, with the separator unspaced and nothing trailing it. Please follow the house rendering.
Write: 5:10
